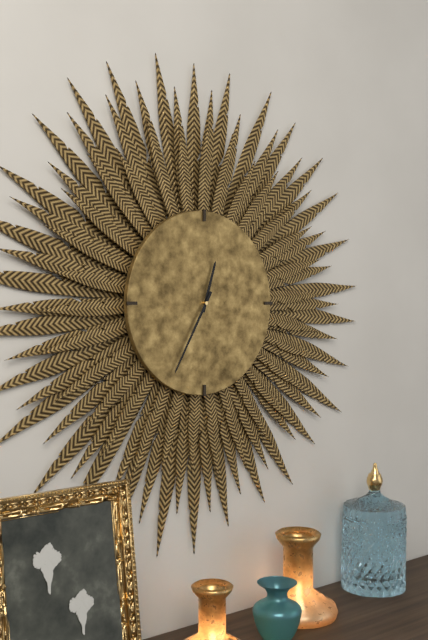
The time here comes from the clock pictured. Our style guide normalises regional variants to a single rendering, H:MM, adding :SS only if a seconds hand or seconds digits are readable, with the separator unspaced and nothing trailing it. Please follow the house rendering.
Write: 12:35
